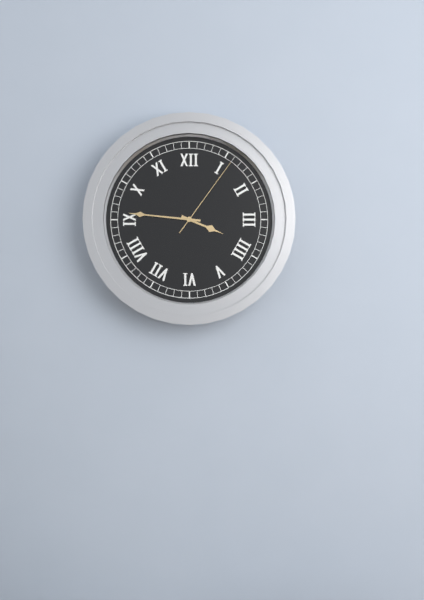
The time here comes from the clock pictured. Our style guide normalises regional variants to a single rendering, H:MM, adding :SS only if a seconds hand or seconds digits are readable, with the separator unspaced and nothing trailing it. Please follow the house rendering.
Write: 3:46:06
